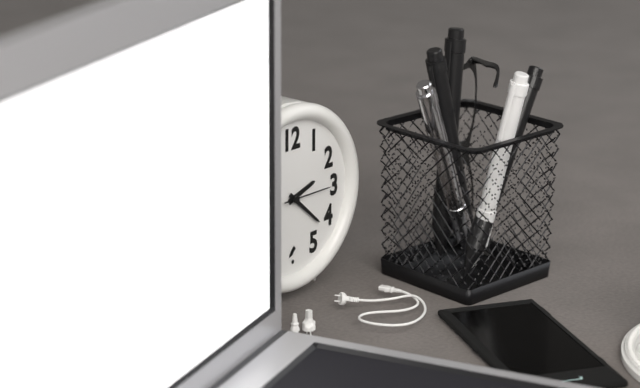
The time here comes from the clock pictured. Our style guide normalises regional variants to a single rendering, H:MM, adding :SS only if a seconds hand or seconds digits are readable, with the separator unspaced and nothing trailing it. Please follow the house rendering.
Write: 2:22:15
